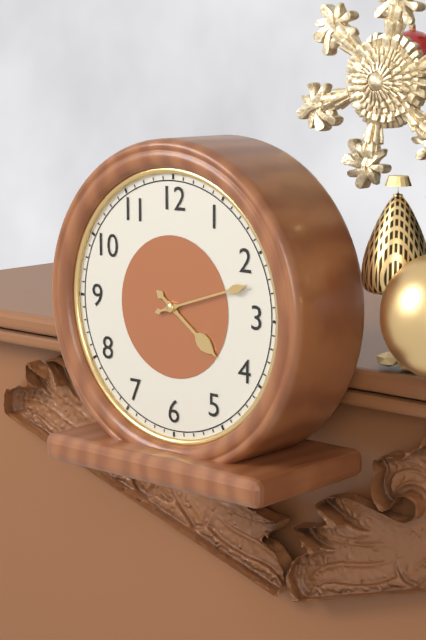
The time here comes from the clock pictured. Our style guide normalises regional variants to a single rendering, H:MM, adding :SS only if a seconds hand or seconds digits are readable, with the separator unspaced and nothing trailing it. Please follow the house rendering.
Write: 4:12
